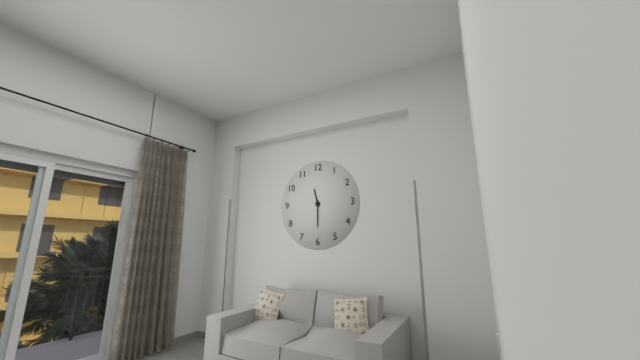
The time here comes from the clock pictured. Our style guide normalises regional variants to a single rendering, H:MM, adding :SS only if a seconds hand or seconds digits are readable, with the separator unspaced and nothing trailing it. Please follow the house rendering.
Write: 11:30
